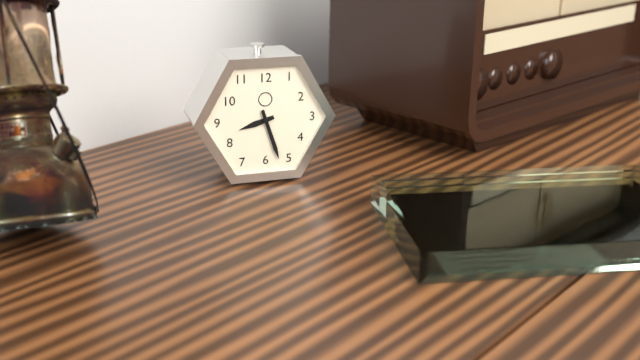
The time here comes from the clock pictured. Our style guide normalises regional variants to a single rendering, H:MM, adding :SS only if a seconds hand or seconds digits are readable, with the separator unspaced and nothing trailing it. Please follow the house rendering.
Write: 8:27
